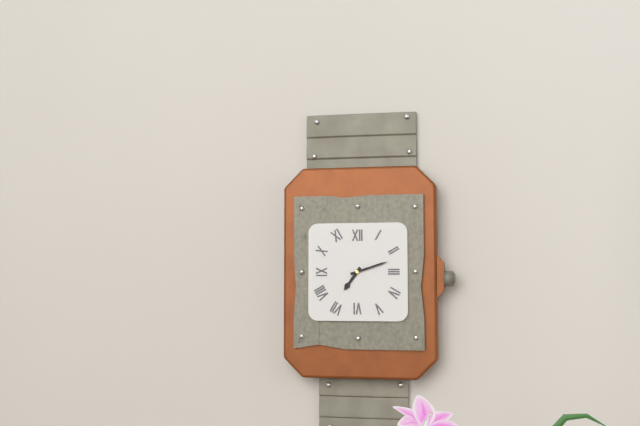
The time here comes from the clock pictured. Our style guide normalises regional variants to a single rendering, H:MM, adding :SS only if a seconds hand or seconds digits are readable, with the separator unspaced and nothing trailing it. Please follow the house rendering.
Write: 7:12
